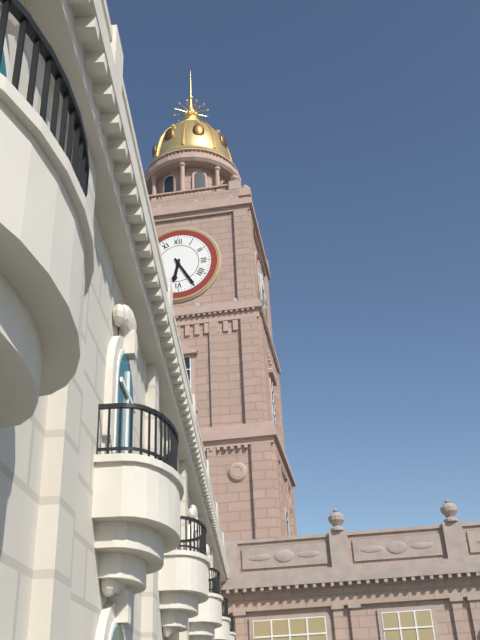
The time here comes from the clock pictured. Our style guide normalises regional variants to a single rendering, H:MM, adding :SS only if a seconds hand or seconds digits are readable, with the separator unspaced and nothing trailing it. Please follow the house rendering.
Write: 6:25
